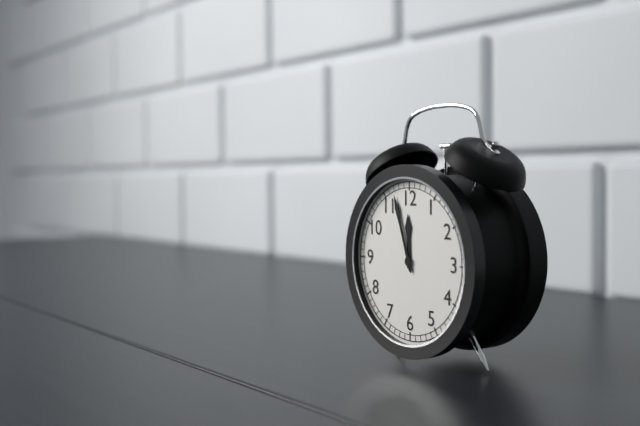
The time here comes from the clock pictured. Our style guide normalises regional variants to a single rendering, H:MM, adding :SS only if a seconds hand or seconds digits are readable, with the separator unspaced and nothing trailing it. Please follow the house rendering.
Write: 11:57
